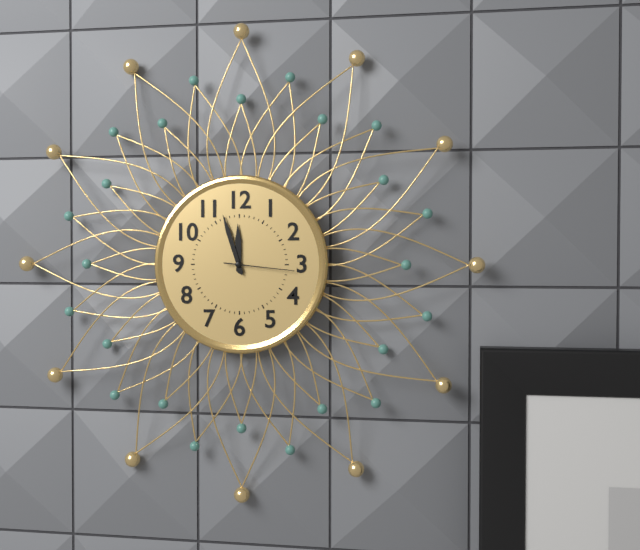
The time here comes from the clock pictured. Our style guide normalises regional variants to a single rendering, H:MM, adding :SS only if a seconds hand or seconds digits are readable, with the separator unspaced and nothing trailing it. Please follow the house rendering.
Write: 11:57:16
